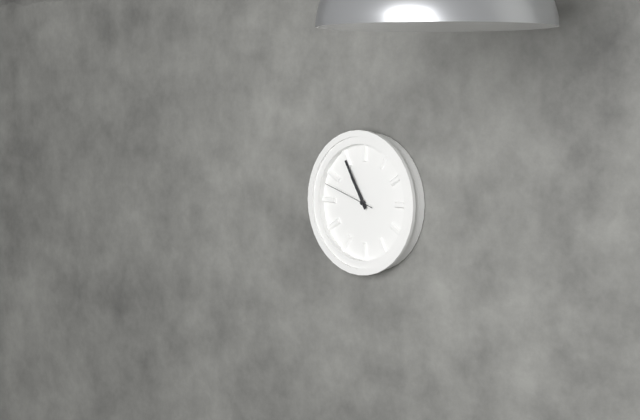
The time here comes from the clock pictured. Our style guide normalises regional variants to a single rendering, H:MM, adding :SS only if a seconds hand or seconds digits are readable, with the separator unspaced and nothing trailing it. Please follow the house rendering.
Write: 10:55:48
